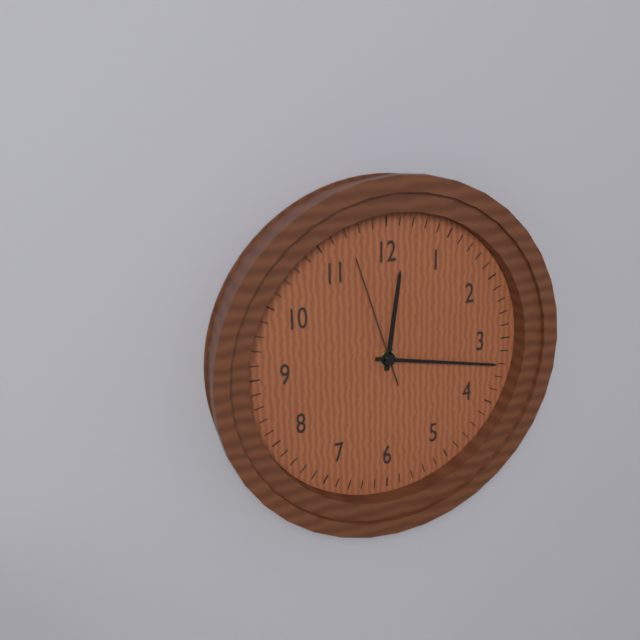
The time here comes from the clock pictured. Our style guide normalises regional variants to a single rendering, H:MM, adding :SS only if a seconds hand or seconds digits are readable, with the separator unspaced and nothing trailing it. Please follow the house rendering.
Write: 12:17:57
